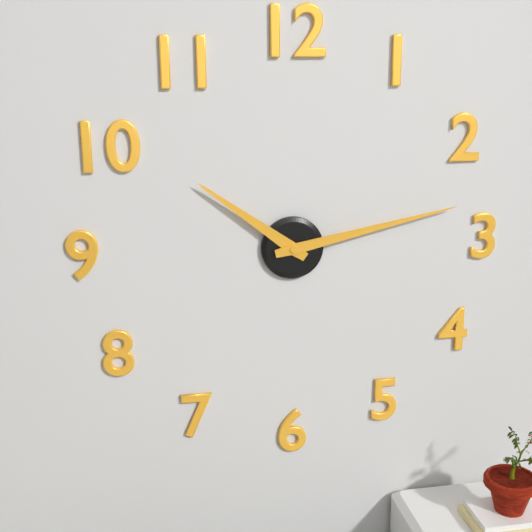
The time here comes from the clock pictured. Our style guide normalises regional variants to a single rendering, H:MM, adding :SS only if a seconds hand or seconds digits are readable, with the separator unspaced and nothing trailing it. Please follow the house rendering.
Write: 10:13
